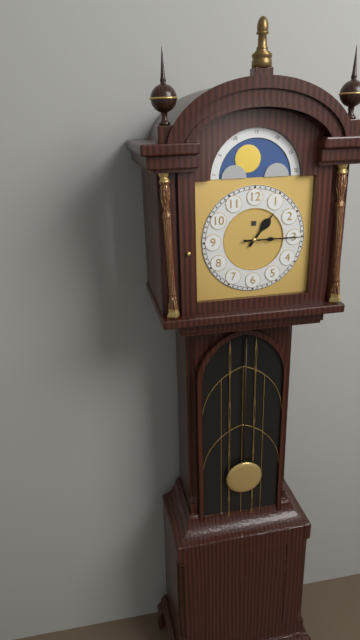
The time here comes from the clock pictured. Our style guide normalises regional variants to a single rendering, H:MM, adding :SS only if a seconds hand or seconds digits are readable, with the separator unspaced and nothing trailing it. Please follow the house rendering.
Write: 1:15
